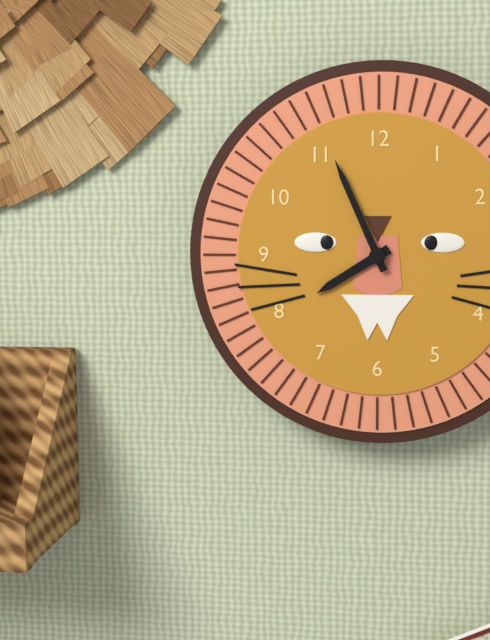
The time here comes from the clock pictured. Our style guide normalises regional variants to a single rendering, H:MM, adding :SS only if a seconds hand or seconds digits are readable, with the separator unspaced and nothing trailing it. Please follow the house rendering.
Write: 7:56
